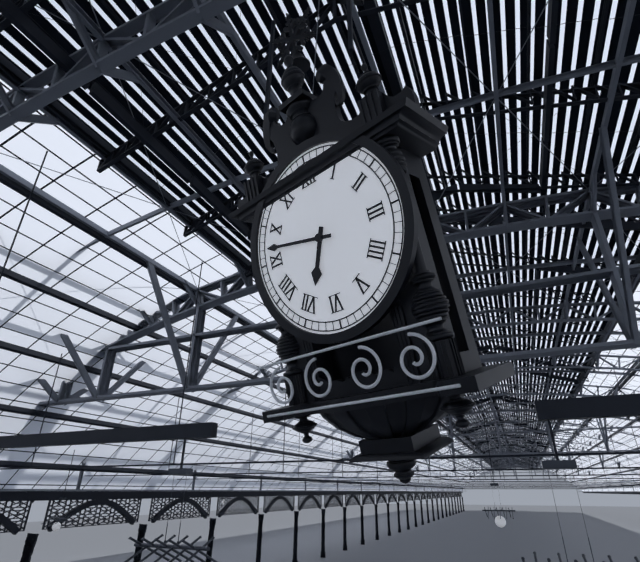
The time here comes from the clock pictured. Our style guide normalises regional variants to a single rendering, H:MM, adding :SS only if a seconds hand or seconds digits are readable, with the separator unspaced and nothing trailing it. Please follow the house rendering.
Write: 6:47
